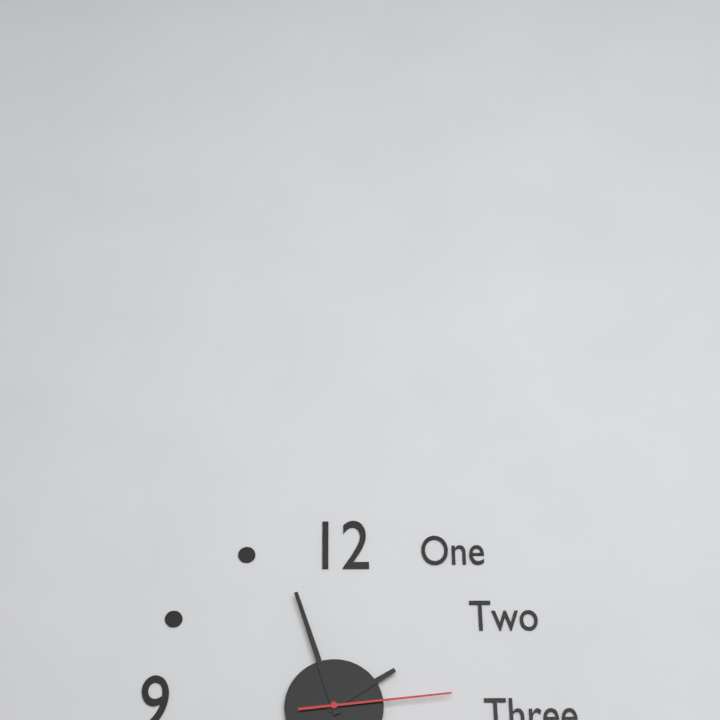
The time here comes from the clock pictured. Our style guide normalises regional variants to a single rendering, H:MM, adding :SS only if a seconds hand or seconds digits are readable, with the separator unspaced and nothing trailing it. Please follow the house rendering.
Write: 1:57:14
